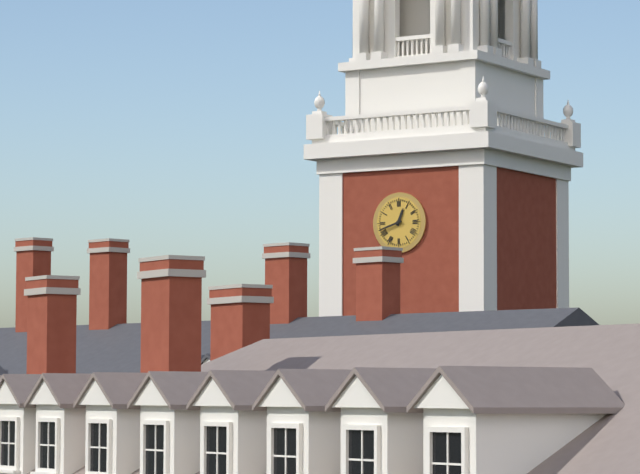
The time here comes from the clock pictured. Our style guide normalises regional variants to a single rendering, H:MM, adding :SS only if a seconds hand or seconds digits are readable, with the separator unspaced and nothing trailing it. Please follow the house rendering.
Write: 12:42
